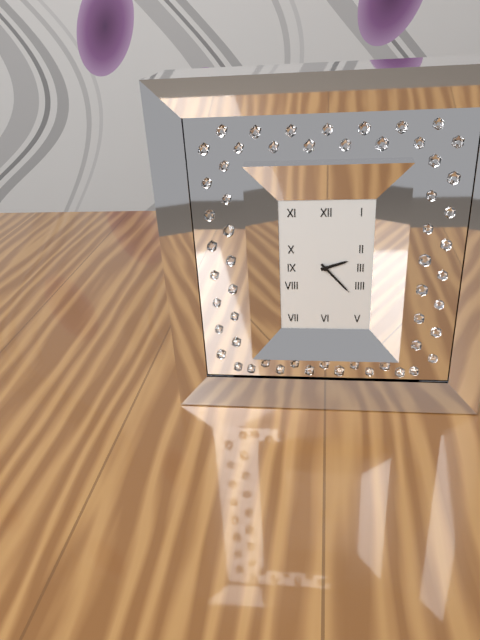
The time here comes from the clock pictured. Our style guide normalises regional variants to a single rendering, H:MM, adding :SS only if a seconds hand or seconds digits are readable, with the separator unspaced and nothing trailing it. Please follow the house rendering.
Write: 2:23
